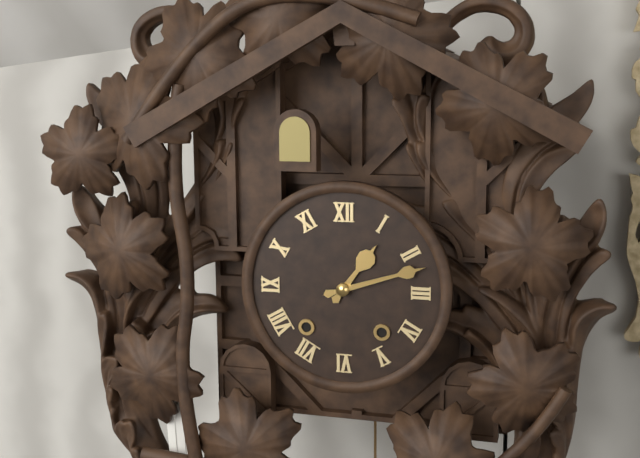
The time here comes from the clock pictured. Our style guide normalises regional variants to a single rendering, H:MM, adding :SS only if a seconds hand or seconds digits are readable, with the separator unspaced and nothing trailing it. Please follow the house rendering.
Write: 1:12
